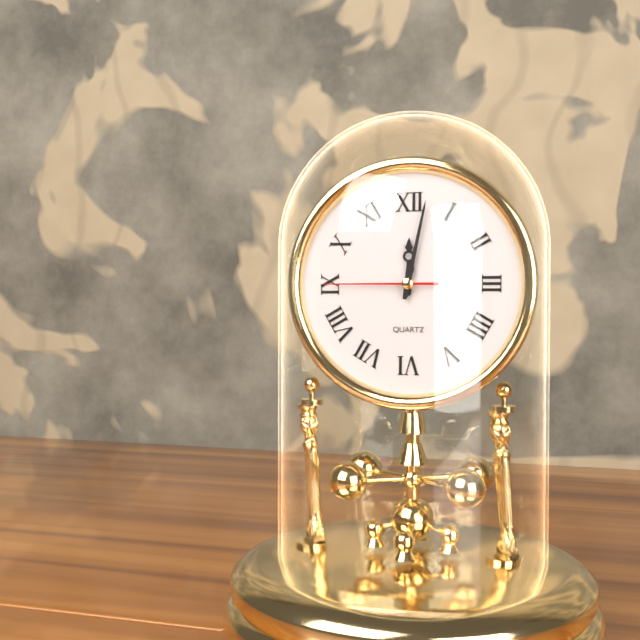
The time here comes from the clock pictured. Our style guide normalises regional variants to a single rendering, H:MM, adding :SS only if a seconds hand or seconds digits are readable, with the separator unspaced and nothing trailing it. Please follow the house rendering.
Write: 12:02:45
